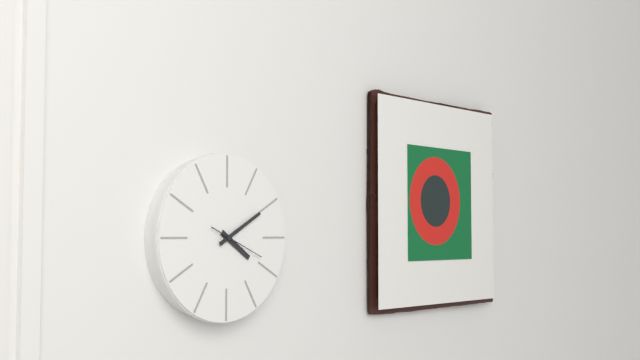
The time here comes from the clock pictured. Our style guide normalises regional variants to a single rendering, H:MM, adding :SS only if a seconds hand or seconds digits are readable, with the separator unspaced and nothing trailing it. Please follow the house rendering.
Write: 4:10
